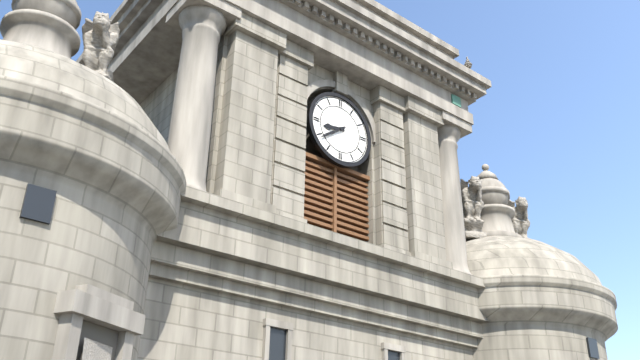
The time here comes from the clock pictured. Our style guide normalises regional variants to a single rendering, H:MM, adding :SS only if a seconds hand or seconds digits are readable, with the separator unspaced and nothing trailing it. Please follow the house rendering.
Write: 8:39
